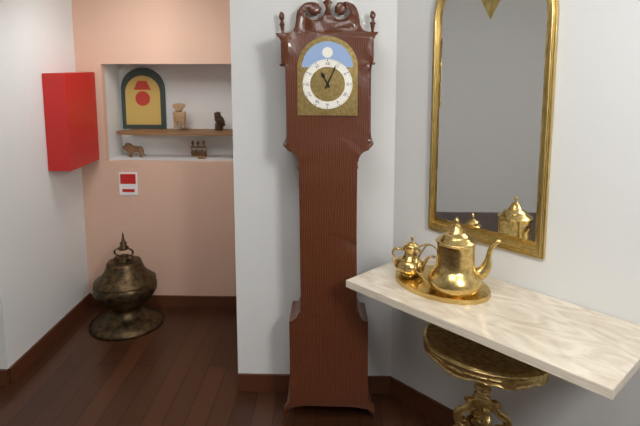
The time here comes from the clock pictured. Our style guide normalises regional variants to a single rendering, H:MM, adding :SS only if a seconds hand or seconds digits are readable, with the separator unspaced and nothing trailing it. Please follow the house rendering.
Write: 11:04
